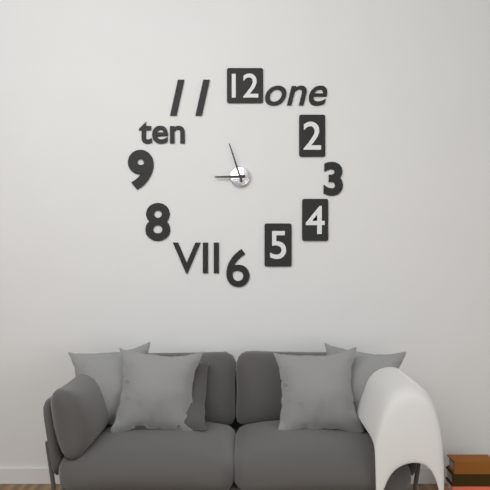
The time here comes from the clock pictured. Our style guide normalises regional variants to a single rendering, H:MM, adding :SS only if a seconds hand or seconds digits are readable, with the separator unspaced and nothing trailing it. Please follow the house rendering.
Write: 8:57
